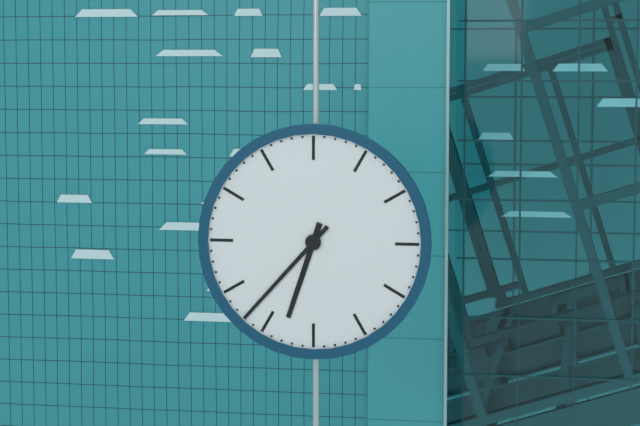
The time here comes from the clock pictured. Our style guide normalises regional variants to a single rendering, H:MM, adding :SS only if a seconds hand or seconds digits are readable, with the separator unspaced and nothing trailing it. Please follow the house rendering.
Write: 6:37
